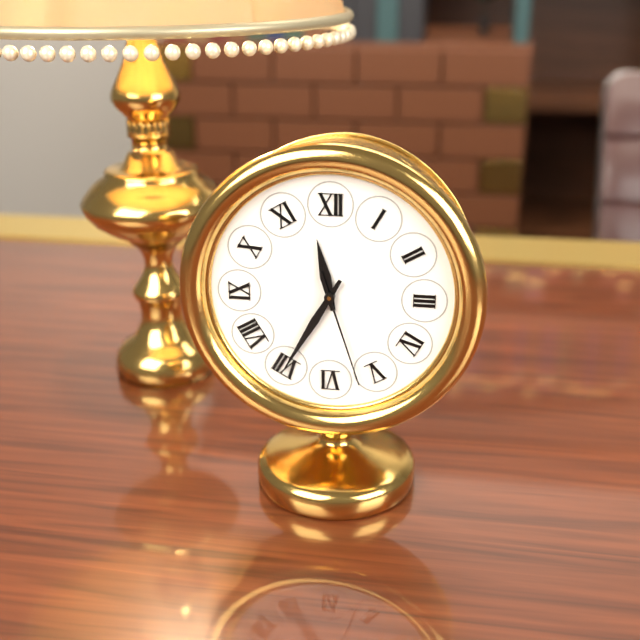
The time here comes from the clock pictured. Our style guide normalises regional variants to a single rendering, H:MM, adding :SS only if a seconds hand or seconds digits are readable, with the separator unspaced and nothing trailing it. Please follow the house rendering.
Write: 11:35:27
